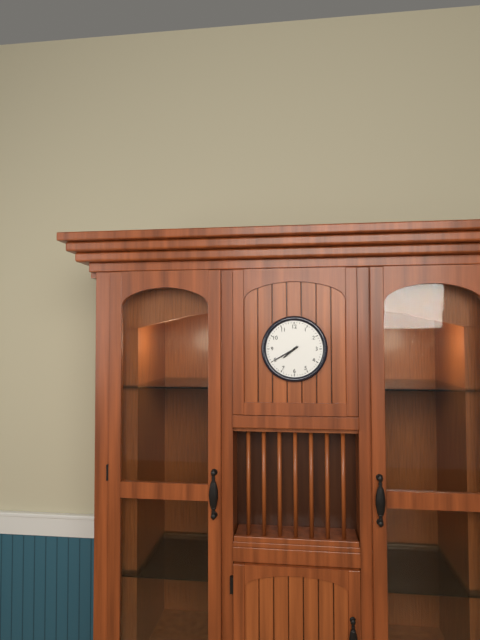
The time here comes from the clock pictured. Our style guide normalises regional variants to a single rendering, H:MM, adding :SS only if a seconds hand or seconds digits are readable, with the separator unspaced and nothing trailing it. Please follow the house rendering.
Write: 7:40
